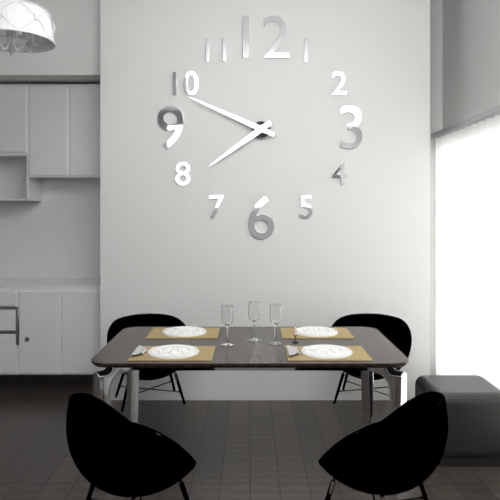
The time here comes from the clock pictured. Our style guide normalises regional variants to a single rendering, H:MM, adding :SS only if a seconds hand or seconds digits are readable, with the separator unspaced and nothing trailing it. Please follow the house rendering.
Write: 7:49
